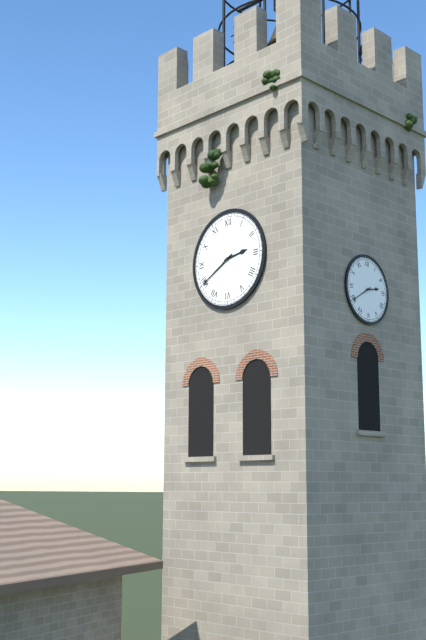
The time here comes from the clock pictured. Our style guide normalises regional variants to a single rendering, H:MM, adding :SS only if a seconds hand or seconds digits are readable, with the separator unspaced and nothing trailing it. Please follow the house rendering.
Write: 2:40
